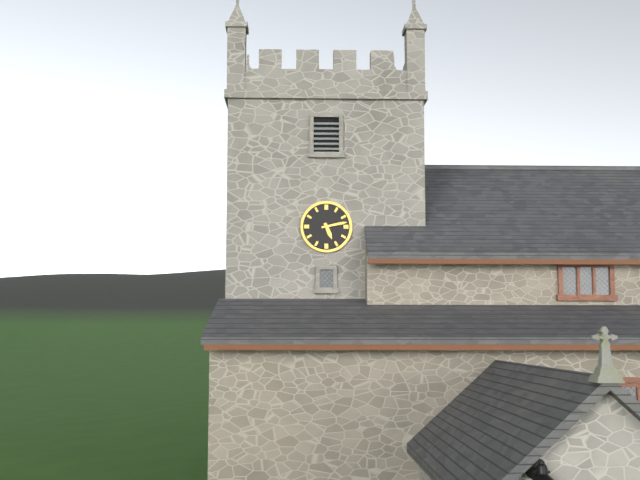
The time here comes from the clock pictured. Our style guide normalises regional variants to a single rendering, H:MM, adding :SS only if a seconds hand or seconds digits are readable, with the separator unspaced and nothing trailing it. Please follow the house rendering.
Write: 5:13
